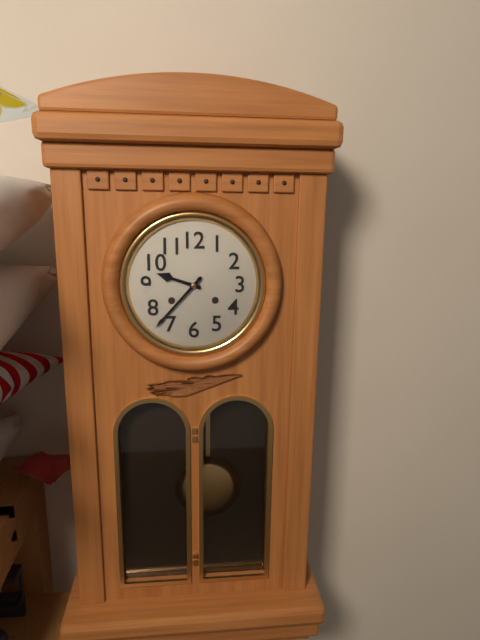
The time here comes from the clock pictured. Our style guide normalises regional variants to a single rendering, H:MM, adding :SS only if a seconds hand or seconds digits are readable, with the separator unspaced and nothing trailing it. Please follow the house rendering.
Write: 9:37
